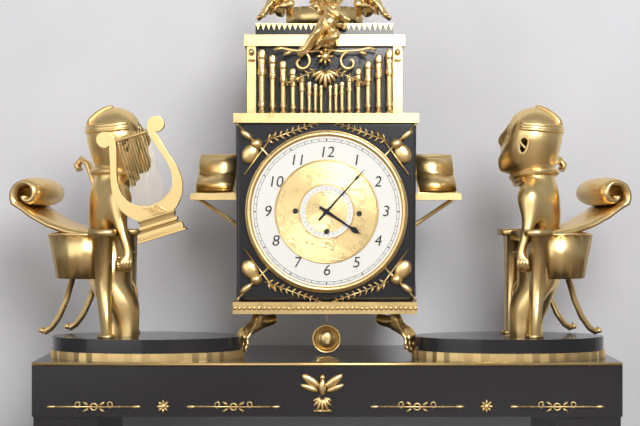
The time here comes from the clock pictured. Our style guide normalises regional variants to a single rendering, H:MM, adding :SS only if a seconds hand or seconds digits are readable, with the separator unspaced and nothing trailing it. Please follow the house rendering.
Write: 4:07
